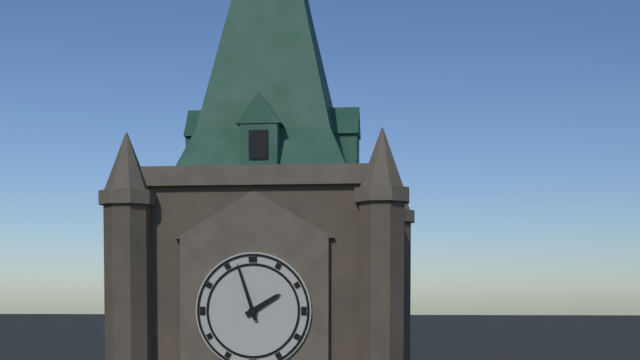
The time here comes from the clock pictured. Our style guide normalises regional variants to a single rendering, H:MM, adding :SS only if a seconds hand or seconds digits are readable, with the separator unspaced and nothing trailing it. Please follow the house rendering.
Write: 1:57
